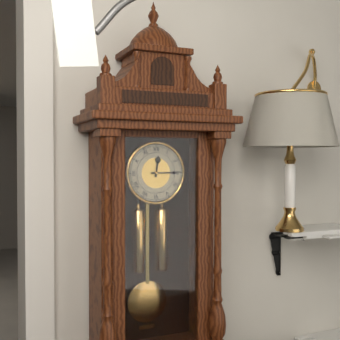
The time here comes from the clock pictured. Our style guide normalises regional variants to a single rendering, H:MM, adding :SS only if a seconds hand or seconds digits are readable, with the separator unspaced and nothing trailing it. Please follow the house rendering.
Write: 12:15
